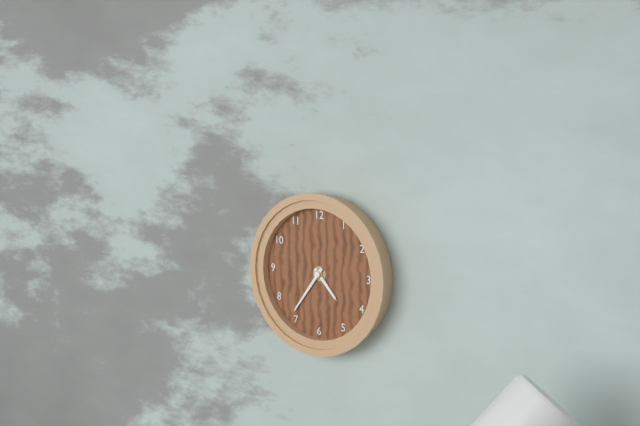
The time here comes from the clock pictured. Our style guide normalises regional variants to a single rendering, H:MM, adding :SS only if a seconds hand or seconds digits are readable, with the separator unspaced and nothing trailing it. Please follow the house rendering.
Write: 4:36
